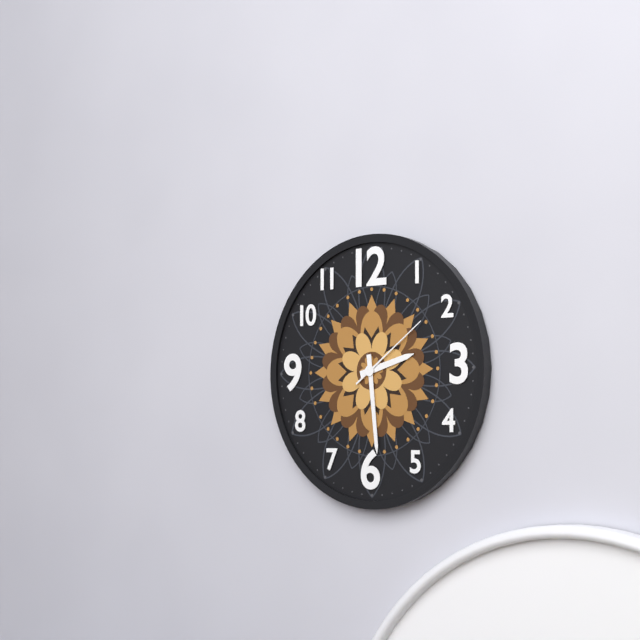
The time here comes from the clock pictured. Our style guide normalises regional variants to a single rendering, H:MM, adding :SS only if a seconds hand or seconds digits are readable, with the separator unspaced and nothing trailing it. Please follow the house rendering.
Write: 2:29:09
